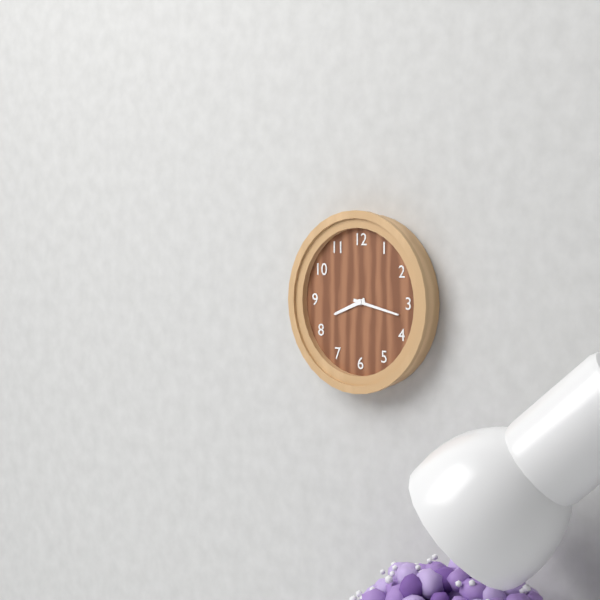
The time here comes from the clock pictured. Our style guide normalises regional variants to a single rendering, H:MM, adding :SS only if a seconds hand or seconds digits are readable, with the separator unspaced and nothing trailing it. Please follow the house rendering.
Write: 8:17
